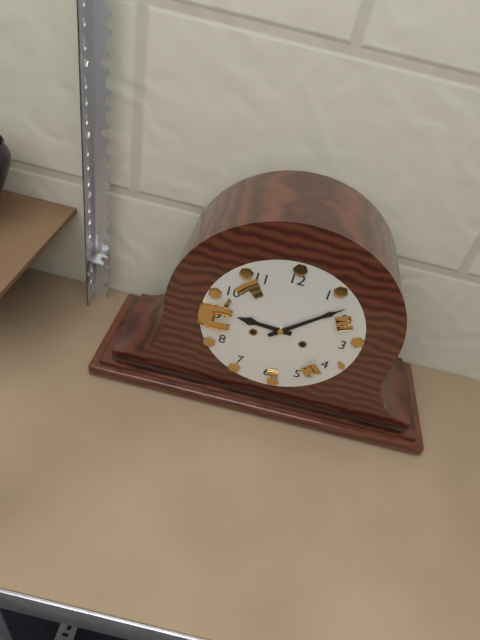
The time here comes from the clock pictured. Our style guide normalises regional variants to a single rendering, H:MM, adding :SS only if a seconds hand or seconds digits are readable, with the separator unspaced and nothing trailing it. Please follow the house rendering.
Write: 9:08
